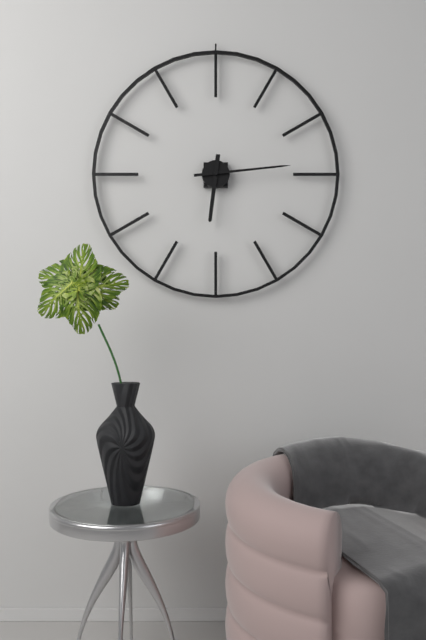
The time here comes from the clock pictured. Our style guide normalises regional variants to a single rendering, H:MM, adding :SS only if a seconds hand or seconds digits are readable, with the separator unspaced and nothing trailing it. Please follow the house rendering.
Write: 6:14
